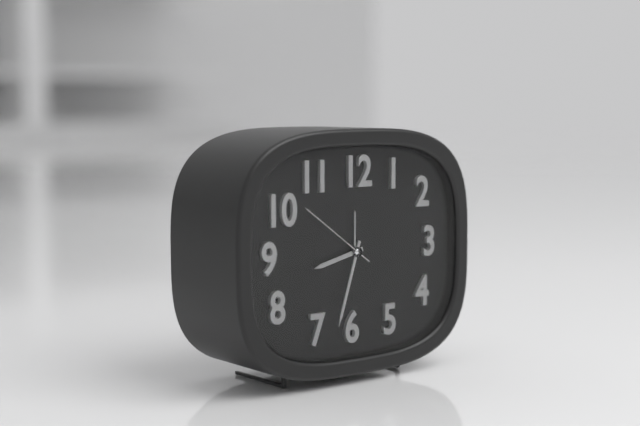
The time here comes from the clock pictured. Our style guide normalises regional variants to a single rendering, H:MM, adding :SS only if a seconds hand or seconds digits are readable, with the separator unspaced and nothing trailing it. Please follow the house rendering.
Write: 8:33:51
